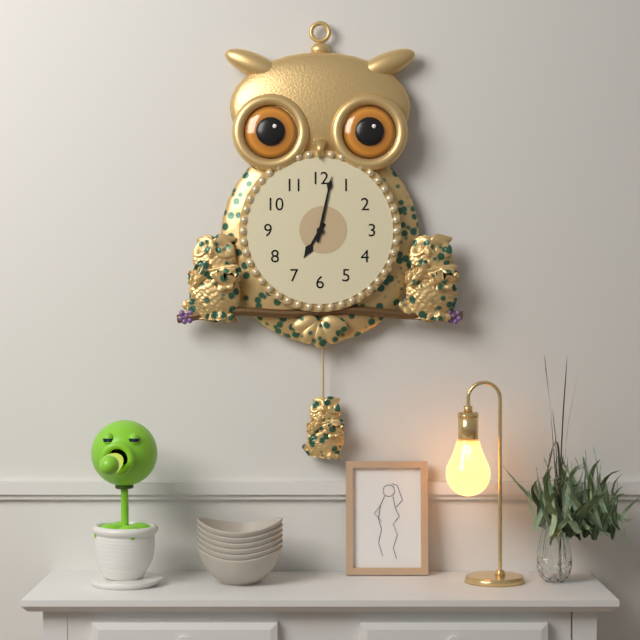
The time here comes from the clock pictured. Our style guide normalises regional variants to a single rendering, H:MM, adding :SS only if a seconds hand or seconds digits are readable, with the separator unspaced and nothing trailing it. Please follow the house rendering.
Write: 7:02
